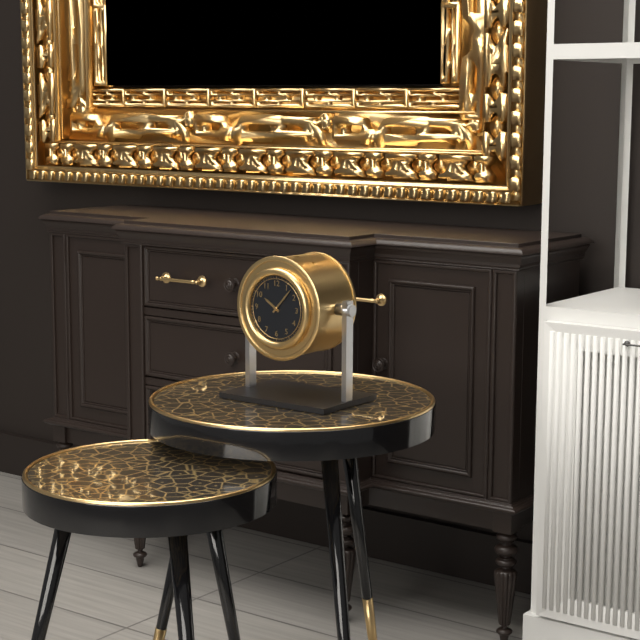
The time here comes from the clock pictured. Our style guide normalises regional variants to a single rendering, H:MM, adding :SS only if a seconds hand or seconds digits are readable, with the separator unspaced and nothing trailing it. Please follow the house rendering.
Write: 10:07
